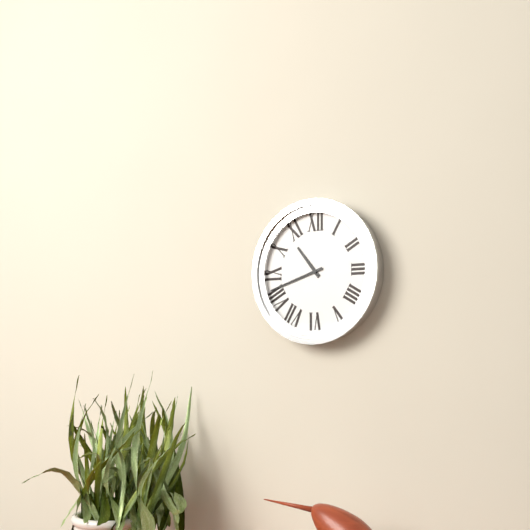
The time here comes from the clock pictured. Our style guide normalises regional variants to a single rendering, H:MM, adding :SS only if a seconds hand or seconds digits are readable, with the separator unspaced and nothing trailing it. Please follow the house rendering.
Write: 10:42
